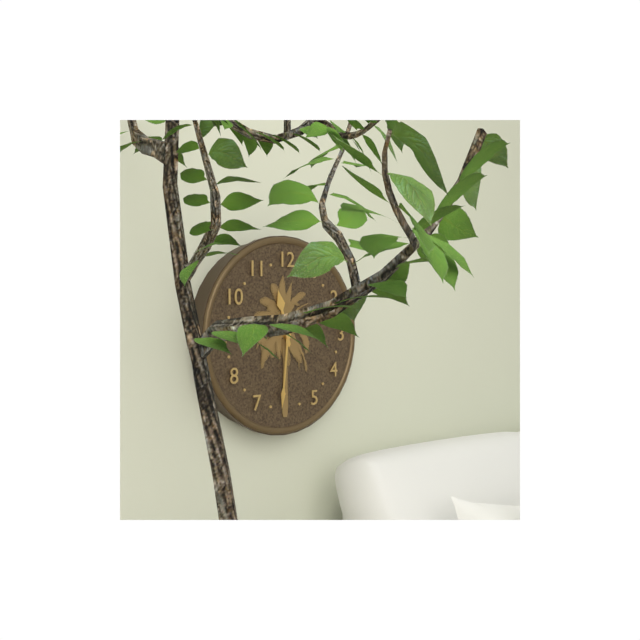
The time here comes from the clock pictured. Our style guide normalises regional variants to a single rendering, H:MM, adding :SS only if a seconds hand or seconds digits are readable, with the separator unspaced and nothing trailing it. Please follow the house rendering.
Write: 11:31
